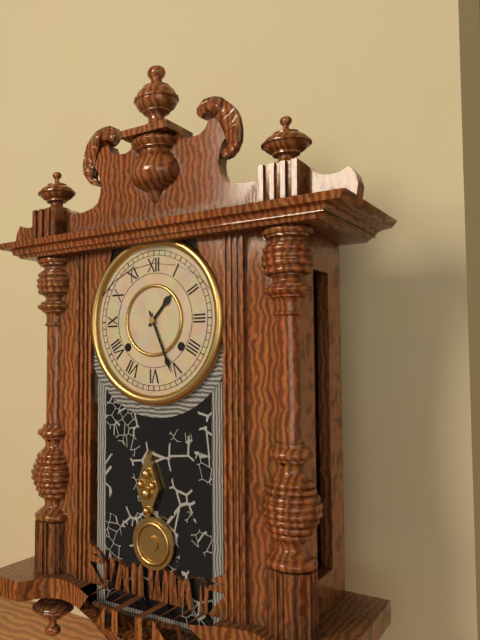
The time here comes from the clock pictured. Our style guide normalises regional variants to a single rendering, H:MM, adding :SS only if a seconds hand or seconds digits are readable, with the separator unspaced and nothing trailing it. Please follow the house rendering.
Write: 1:26
